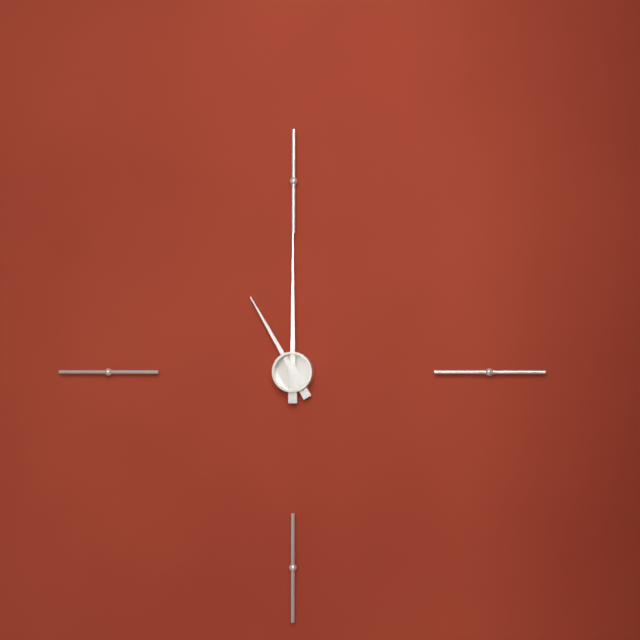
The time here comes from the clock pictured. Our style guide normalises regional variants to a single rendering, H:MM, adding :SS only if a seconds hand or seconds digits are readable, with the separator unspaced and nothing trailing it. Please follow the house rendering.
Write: 11:00
